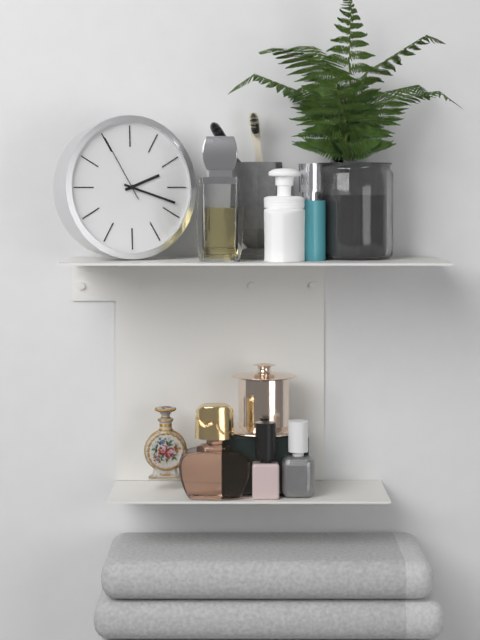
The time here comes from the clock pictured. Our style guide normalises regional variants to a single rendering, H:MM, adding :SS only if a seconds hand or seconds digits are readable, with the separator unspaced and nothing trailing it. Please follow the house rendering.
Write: 2:18:55
